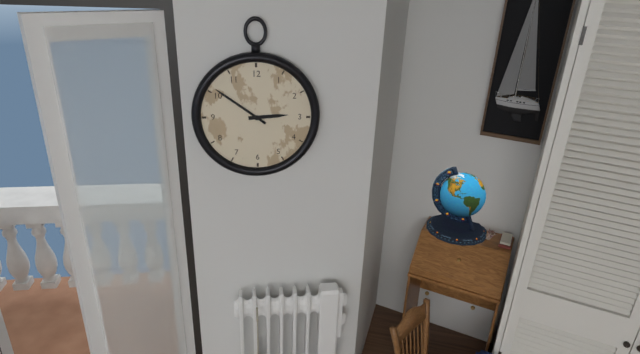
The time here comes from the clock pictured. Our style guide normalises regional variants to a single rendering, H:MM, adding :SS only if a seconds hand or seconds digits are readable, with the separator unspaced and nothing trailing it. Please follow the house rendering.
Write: 2:51
